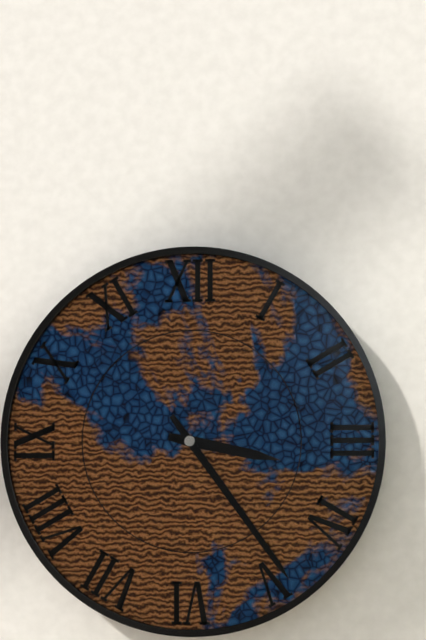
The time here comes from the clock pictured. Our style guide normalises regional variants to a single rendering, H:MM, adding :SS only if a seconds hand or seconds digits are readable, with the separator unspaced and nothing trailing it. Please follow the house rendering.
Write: 3:24
